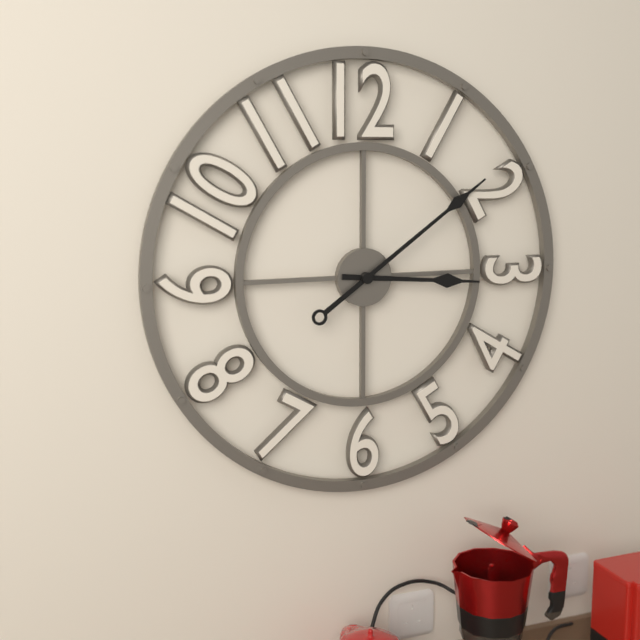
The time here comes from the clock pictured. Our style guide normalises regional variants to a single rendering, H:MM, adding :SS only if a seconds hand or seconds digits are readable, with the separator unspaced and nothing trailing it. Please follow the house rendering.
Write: 3:09
